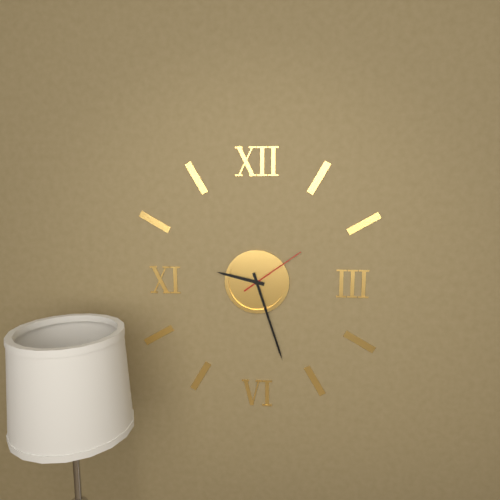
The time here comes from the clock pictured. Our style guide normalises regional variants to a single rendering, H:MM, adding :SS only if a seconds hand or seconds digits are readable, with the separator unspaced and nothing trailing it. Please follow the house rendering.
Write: 9:27:09
